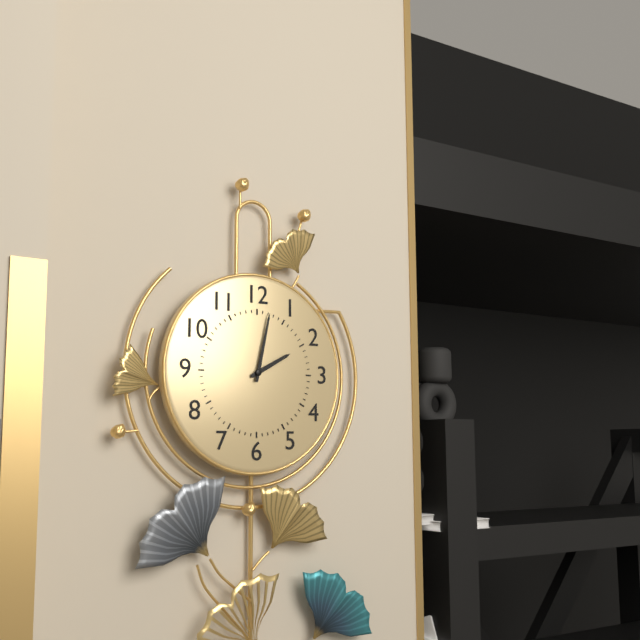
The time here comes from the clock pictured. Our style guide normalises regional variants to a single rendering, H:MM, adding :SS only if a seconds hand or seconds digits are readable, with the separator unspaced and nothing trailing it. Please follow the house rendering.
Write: 2:02
